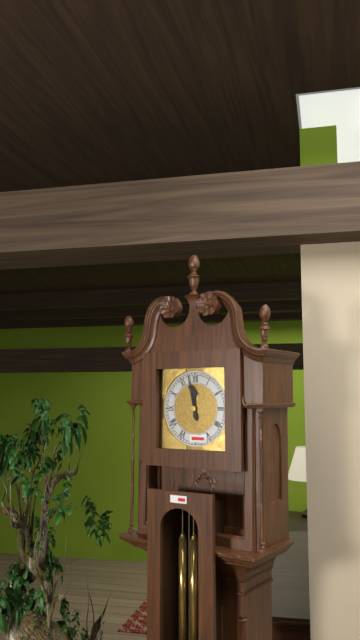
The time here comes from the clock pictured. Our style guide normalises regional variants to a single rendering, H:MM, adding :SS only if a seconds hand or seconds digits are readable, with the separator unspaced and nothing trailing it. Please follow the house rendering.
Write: 11:58
